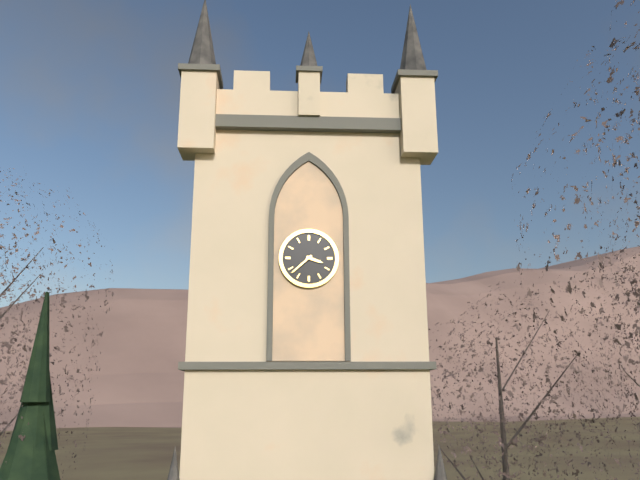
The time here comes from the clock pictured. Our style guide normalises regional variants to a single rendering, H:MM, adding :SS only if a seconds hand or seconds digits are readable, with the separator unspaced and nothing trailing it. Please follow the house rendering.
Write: 3:38
